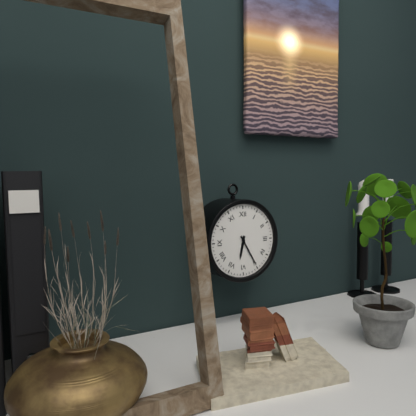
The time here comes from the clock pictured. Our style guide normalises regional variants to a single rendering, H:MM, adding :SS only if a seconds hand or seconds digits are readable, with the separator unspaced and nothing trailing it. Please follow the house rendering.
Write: 6:25
